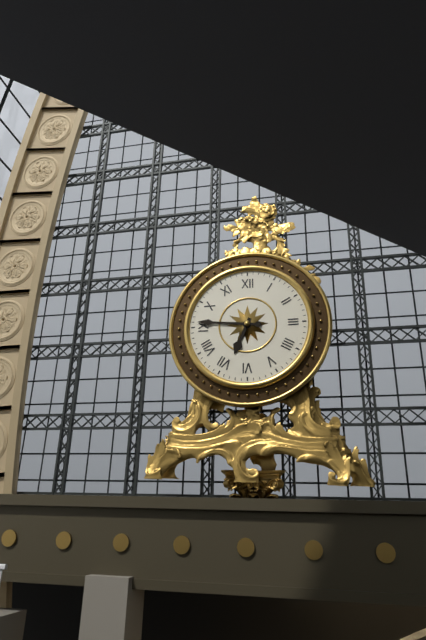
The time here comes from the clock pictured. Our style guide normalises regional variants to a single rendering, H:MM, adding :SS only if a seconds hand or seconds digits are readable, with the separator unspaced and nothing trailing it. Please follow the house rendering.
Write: 6:46
